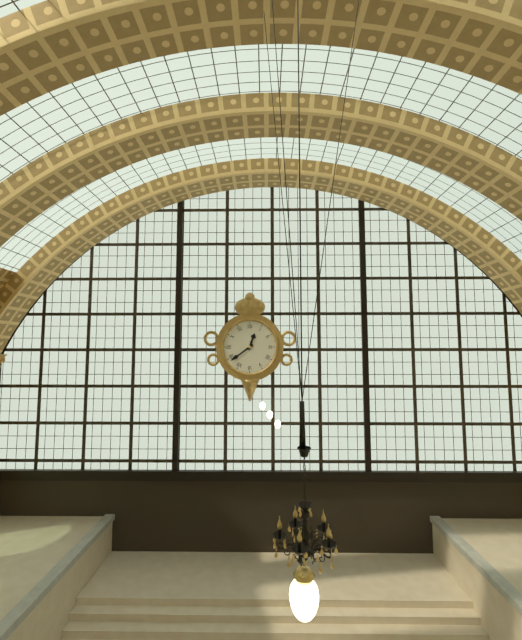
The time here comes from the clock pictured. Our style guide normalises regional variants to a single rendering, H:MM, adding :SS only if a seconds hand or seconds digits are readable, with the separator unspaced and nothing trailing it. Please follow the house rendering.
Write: 12:39
